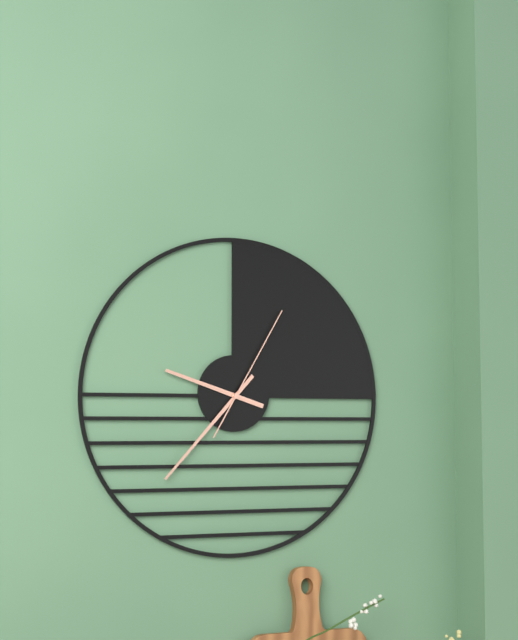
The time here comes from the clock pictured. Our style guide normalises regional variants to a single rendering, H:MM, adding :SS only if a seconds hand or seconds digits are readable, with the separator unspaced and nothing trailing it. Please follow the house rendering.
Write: 9:37:05
